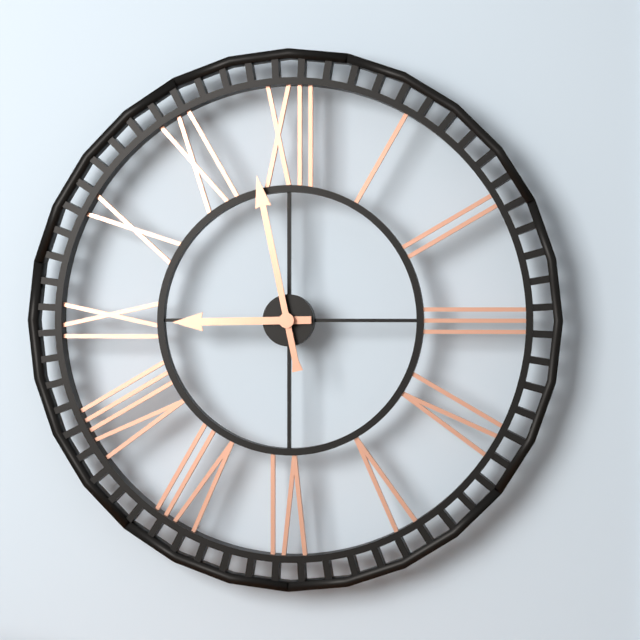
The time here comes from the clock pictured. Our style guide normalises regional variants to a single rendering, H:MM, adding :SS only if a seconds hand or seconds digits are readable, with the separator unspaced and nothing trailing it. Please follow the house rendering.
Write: 8:58
